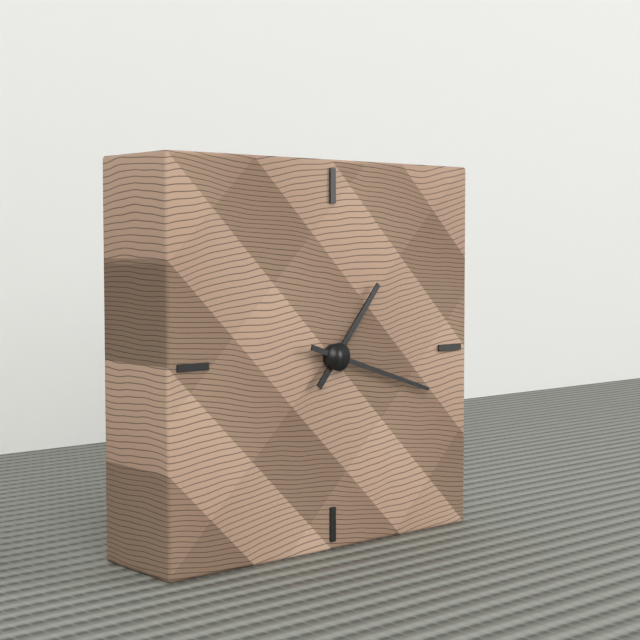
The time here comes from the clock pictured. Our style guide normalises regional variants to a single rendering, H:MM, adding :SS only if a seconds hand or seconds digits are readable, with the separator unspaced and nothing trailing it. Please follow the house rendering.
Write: 1:18
